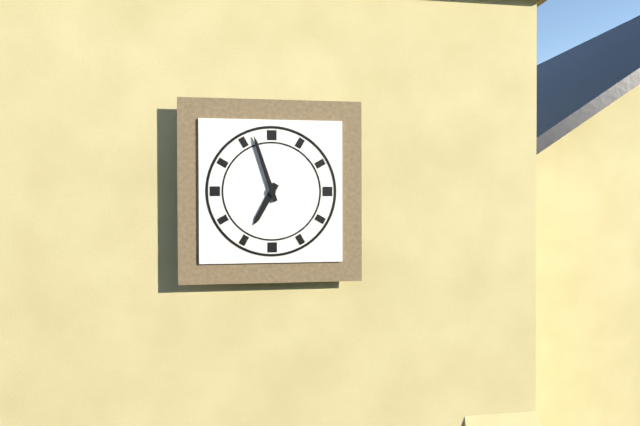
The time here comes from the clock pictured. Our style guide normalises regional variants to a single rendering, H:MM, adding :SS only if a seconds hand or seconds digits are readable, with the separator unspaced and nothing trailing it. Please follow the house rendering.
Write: 6:57
